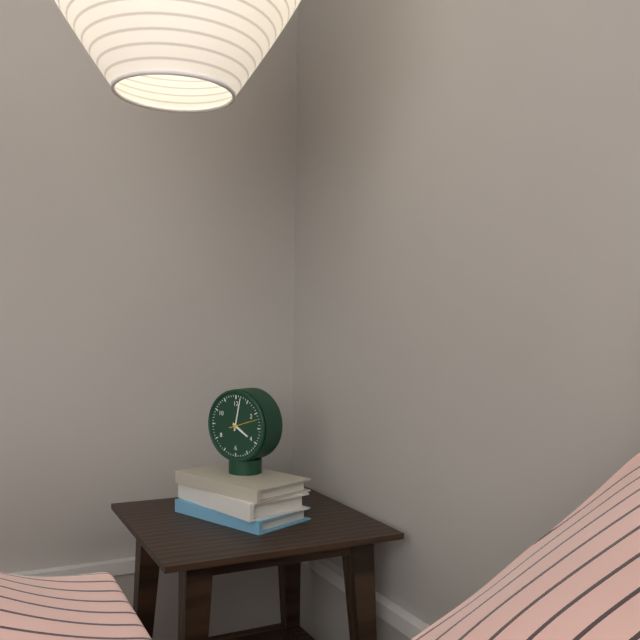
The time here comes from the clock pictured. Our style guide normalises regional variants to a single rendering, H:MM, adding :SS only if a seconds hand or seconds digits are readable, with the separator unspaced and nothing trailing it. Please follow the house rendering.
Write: 4:02
